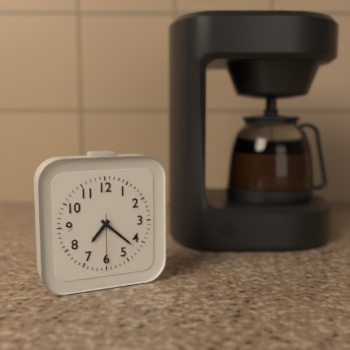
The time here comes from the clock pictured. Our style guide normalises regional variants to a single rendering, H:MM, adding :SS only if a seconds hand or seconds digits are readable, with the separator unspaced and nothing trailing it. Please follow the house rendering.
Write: 7:22
